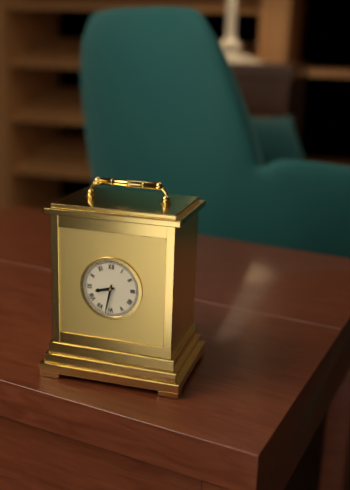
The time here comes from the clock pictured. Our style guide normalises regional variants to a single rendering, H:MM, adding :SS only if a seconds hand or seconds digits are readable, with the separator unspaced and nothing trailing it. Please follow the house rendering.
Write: 8:32
